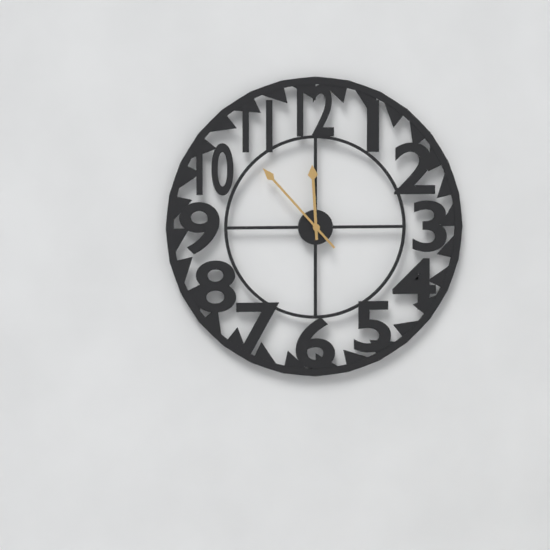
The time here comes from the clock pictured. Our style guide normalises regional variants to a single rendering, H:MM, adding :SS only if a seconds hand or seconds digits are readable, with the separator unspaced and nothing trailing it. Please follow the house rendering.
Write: 11:53
